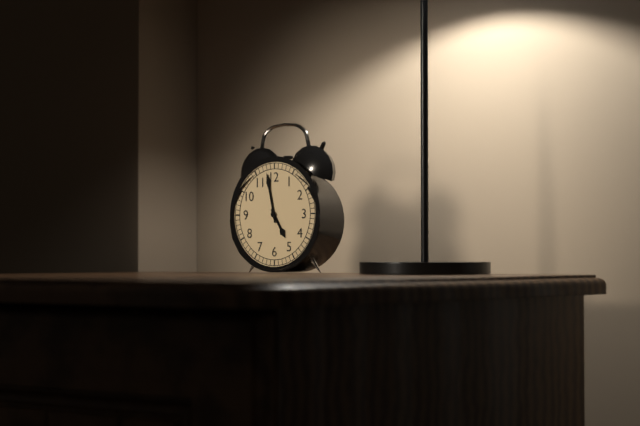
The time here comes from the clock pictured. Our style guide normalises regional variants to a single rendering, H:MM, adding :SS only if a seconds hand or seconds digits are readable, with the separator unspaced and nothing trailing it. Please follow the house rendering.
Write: 4:58
